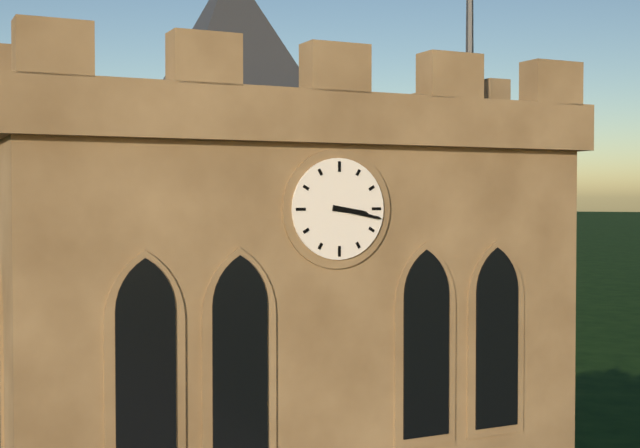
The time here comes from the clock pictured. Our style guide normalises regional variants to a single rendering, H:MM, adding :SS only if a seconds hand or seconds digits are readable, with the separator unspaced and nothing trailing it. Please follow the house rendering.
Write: 3:17
